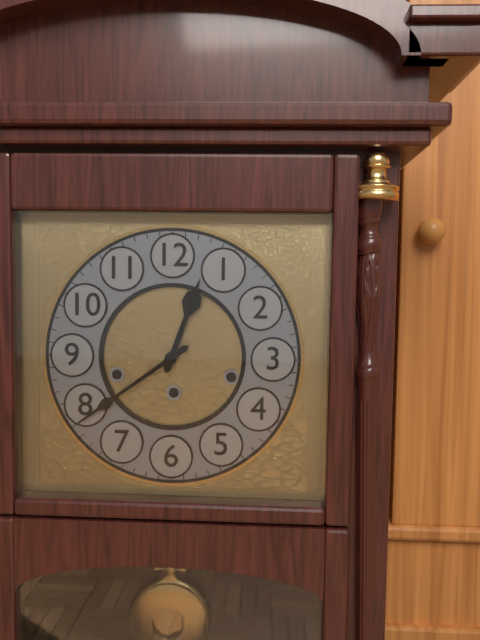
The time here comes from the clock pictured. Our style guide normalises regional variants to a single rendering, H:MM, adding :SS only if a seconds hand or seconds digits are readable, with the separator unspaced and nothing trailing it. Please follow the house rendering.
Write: 12:39
